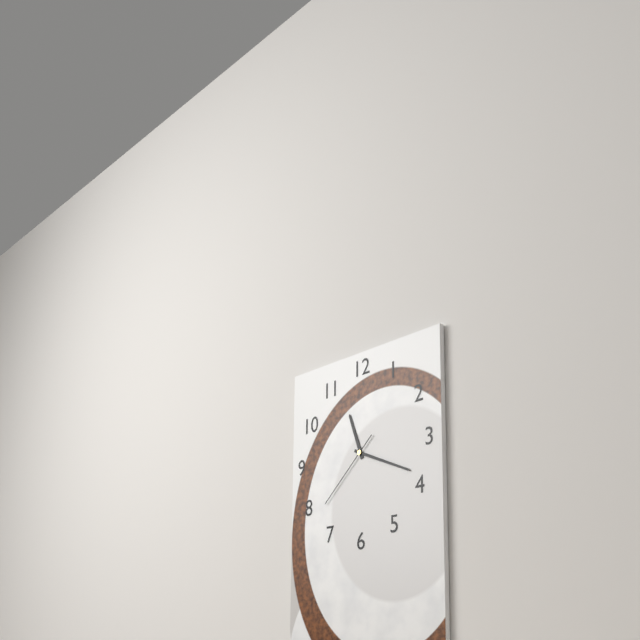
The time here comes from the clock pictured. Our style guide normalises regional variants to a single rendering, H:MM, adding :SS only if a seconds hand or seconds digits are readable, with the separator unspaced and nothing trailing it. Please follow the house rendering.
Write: 11:19:38
